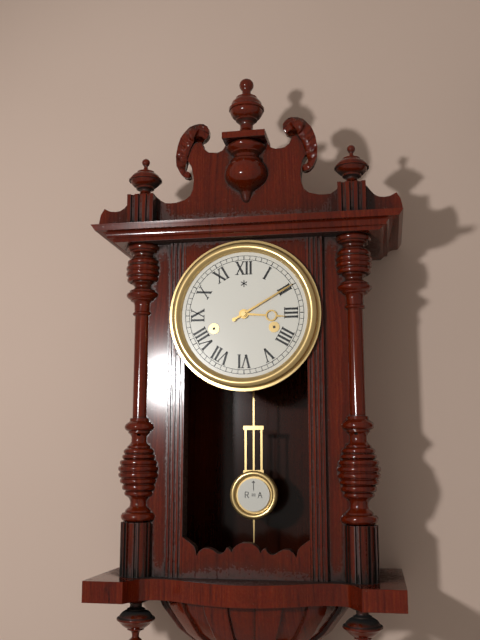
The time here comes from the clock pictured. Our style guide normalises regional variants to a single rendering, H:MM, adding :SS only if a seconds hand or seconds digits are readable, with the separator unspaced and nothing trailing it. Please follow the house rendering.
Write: 3:10
